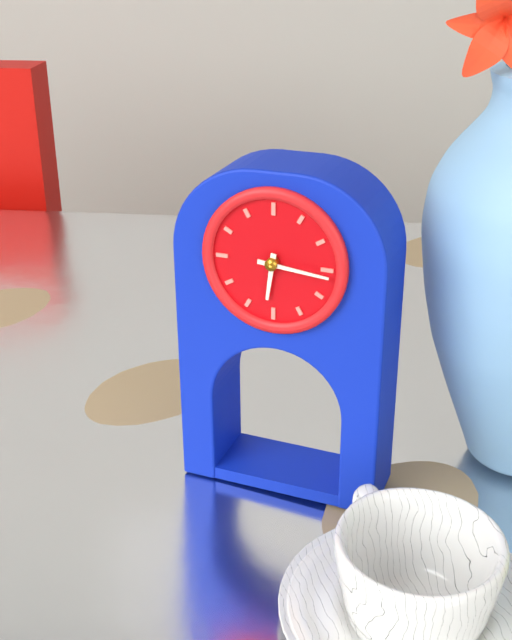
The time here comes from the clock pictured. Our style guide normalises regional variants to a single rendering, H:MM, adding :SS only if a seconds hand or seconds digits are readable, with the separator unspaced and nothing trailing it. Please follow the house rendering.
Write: 6:16
